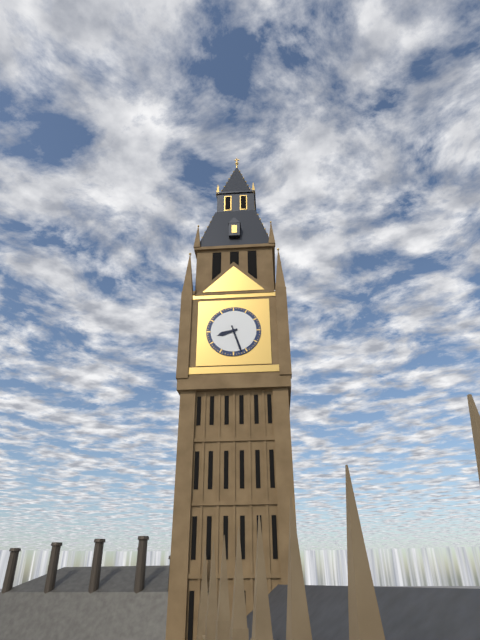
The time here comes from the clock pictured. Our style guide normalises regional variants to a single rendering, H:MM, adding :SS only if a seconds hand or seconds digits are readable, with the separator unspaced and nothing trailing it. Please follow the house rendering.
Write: 8:27
